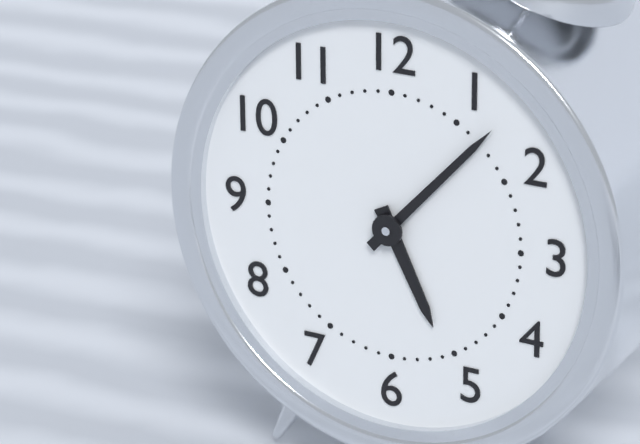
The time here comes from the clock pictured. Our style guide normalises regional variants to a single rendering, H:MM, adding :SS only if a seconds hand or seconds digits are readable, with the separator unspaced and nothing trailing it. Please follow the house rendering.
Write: 5:07
